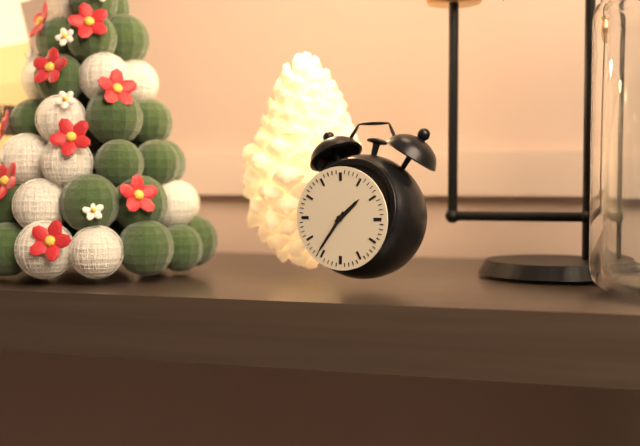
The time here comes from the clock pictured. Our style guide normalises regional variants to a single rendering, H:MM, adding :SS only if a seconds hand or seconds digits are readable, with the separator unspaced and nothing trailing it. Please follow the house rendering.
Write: 1:36
